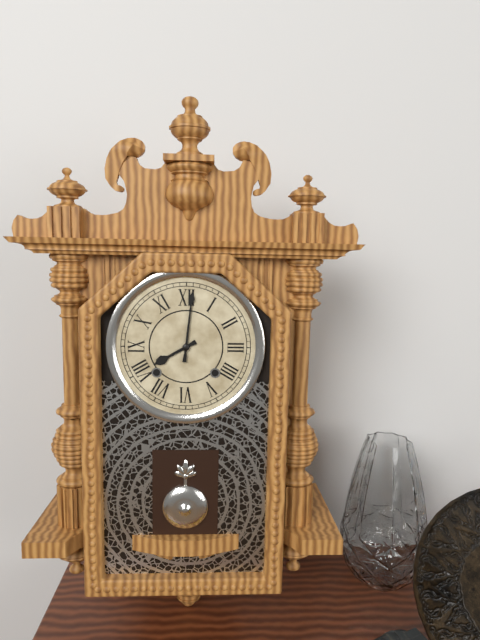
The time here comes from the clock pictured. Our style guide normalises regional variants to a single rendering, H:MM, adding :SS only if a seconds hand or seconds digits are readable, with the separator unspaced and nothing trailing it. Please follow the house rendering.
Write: 8:01
